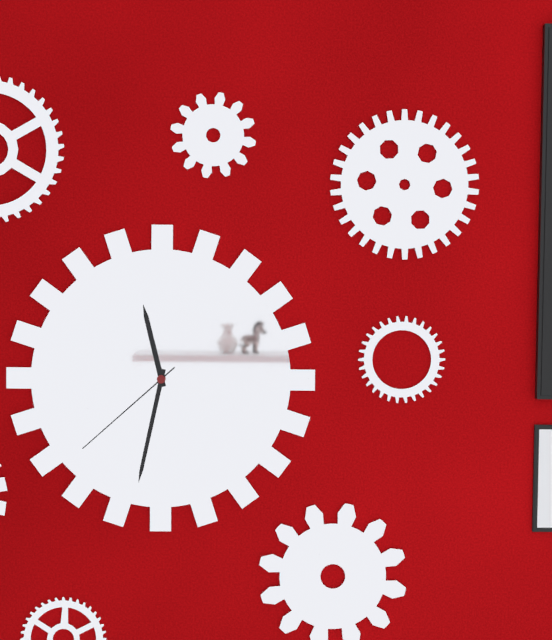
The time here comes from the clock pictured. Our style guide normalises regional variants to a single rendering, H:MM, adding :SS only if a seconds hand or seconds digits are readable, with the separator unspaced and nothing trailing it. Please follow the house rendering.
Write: 11:32:38
